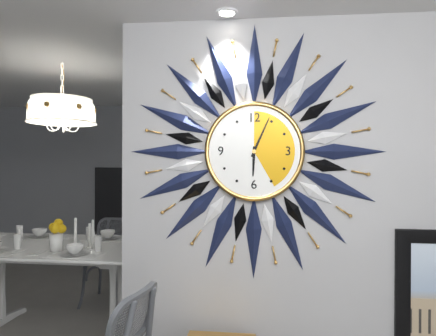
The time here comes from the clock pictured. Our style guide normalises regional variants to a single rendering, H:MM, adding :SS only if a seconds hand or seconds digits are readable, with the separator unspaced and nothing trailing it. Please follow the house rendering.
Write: 6:04
